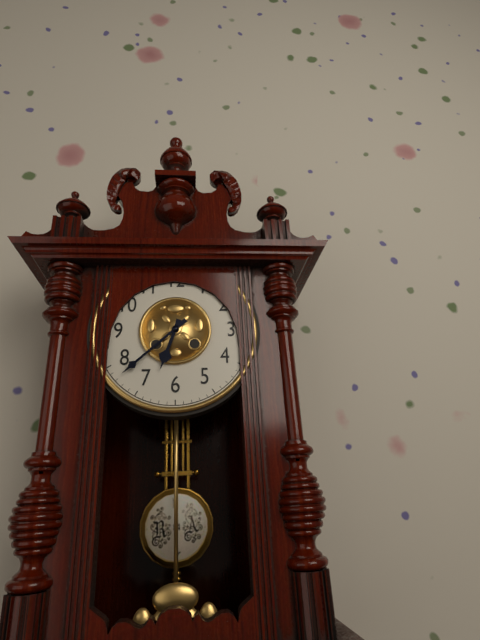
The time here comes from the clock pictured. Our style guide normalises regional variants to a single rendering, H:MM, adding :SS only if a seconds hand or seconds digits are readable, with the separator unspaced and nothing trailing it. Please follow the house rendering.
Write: 6:38
